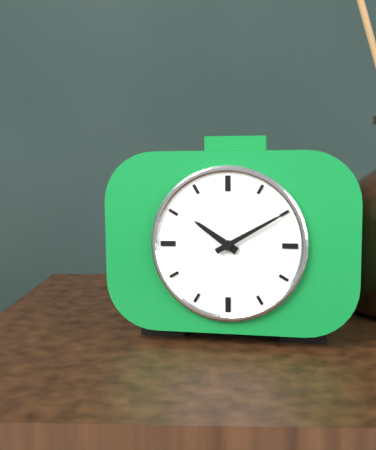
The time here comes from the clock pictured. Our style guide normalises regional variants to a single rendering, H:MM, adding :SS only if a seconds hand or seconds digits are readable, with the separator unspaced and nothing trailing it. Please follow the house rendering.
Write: 10:10
